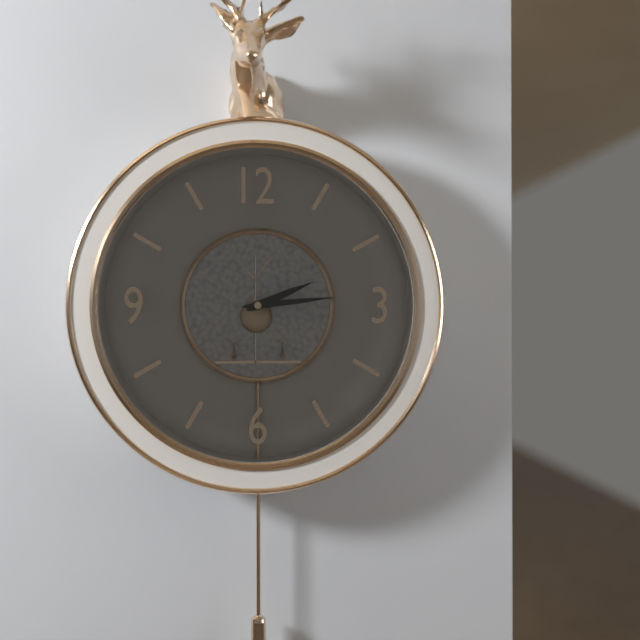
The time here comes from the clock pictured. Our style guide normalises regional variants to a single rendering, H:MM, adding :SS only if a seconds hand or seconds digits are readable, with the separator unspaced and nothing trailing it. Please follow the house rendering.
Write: 2:14
